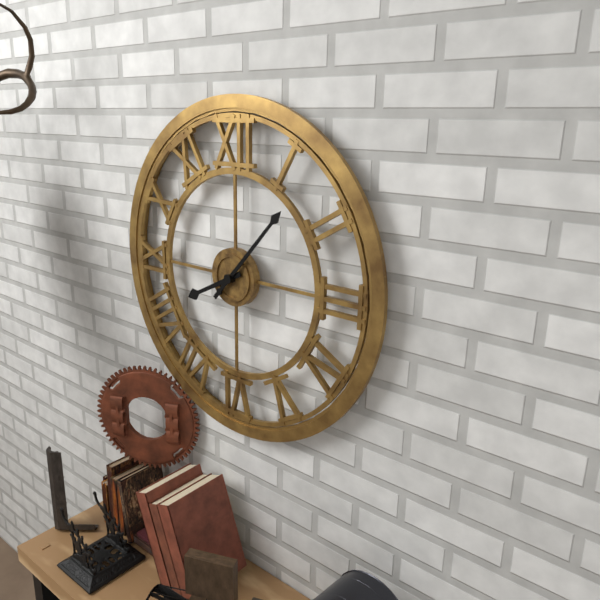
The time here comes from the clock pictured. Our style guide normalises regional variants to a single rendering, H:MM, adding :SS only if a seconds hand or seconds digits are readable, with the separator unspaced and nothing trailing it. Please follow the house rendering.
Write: 8:07
